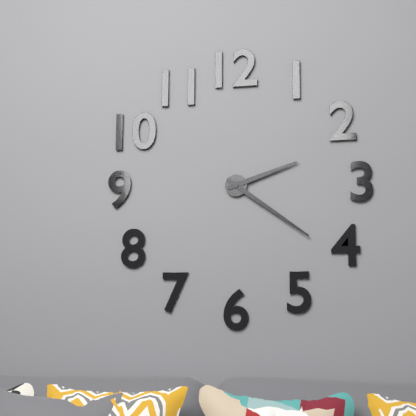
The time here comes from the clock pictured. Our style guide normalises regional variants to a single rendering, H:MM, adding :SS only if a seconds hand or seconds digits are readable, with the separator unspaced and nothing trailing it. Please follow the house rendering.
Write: 2:21
